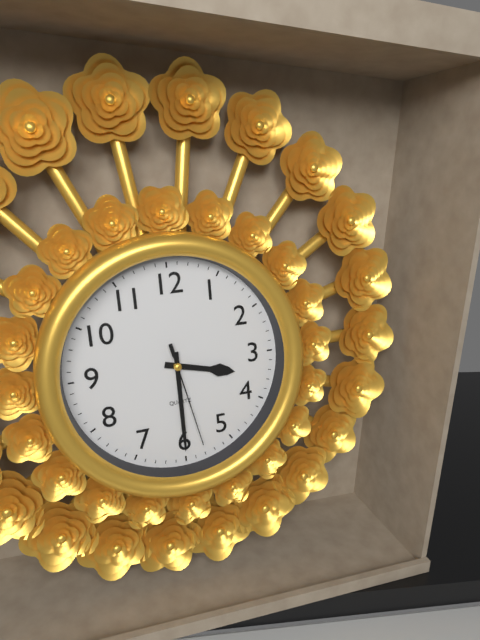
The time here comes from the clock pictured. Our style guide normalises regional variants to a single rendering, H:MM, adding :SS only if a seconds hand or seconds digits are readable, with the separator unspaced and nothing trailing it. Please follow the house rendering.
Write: 3:30:28
